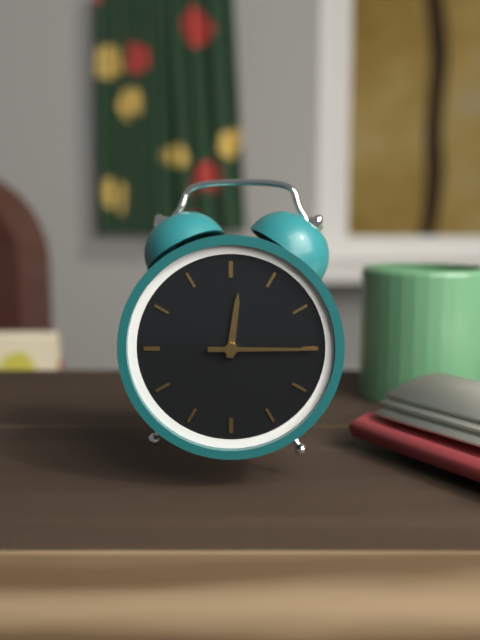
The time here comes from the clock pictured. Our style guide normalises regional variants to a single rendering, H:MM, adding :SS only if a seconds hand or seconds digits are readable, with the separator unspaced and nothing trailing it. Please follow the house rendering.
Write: 12:15
